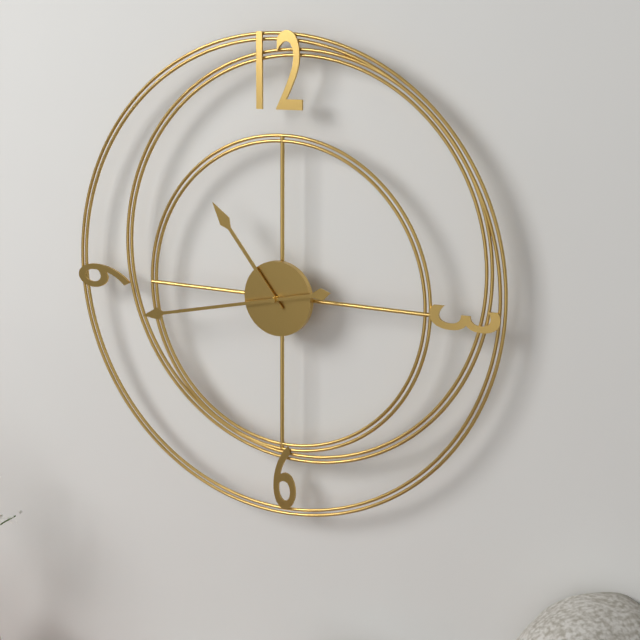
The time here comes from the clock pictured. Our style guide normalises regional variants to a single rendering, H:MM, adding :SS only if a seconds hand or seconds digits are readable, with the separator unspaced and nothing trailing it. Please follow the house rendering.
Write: 10:43
